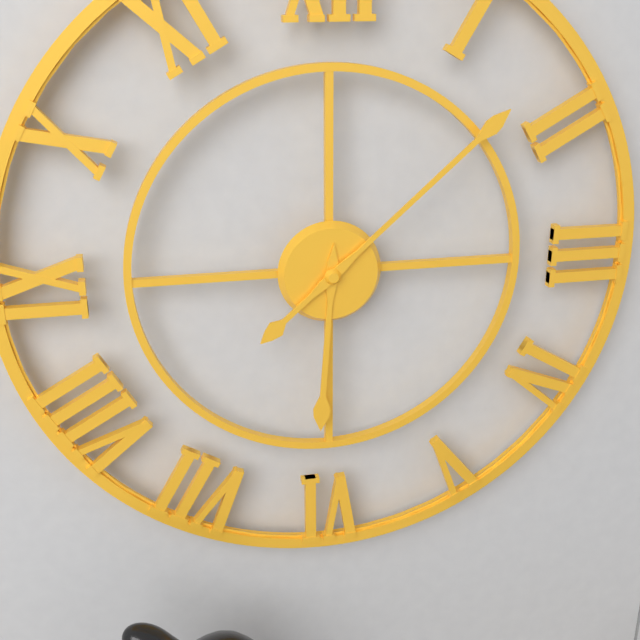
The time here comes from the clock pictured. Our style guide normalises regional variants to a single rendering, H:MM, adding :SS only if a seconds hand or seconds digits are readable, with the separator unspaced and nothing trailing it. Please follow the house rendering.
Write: 6:08
